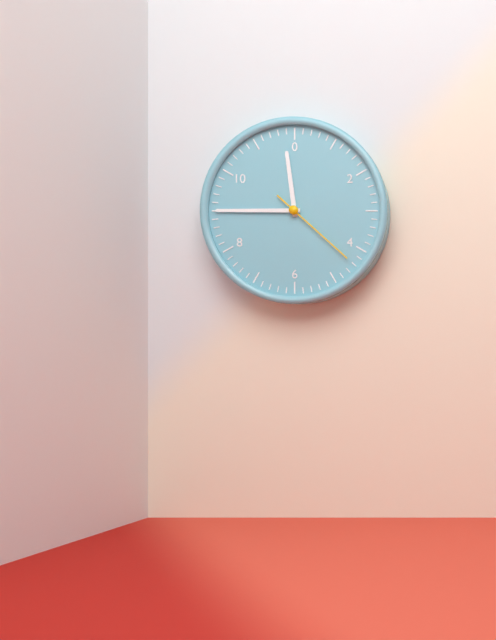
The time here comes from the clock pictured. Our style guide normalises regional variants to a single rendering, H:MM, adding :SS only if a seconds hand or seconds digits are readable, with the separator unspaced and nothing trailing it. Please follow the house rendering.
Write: 11:45:22
